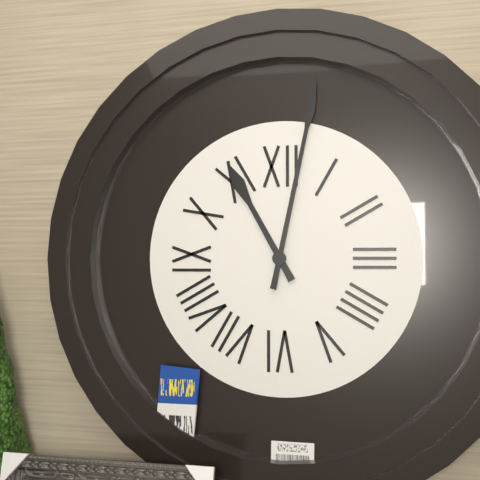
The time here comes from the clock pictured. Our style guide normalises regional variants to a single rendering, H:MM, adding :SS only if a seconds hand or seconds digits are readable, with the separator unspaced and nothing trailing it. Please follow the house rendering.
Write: 11:02
